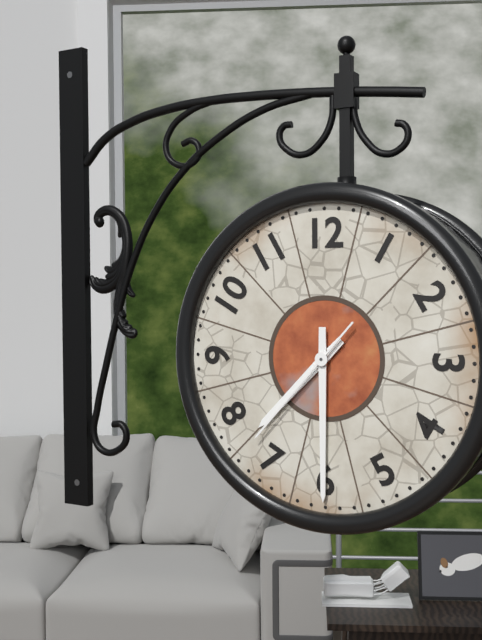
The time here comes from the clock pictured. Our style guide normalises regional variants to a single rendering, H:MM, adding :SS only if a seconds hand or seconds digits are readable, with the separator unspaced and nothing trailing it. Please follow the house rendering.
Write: 7:30:37
